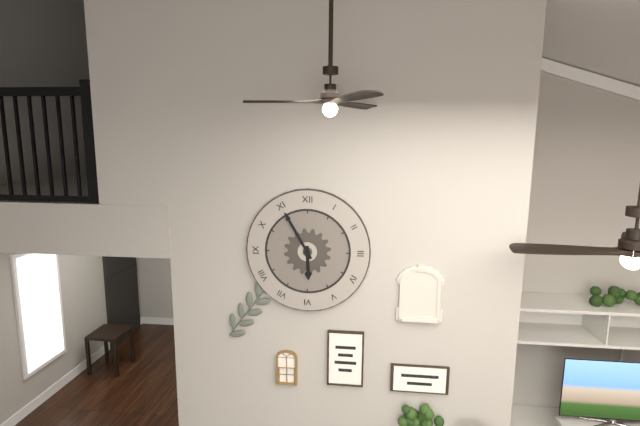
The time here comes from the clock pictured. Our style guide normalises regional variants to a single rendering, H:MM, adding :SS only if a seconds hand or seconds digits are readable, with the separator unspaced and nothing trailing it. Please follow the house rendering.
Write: 5:55
